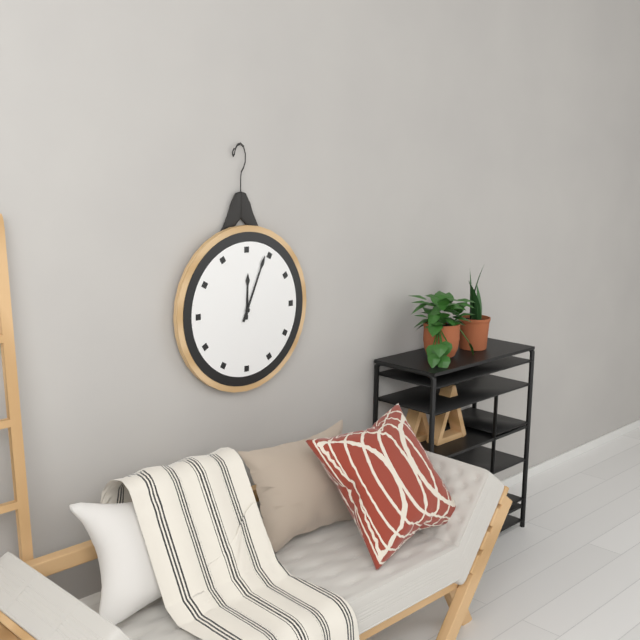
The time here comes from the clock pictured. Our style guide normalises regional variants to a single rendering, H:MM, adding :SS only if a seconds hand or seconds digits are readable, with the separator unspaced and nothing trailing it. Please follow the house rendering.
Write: 12:04
